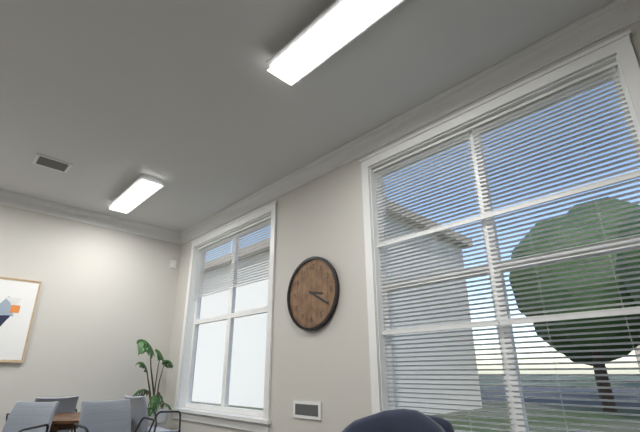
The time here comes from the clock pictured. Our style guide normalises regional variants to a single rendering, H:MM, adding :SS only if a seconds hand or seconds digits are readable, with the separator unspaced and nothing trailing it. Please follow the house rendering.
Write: 3:20
